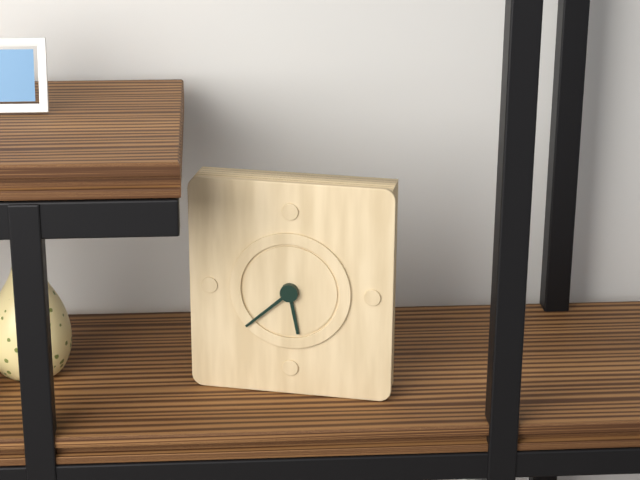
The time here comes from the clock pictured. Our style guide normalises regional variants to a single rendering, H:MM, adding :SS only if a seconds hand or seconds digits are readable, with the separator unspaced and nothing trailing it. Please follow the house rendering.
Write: 5:38
